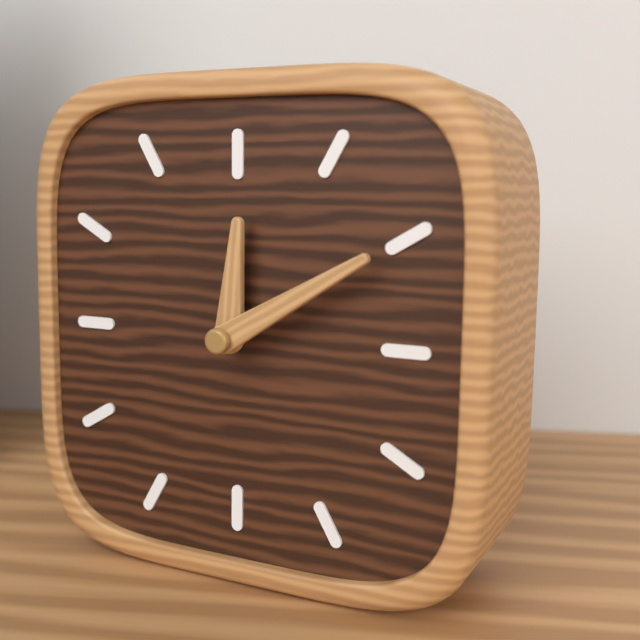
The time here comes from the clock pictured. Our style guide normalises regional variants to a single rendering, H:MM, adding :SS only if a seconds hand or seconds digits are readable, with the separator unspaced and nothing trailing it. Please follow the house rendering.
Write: 12:10
